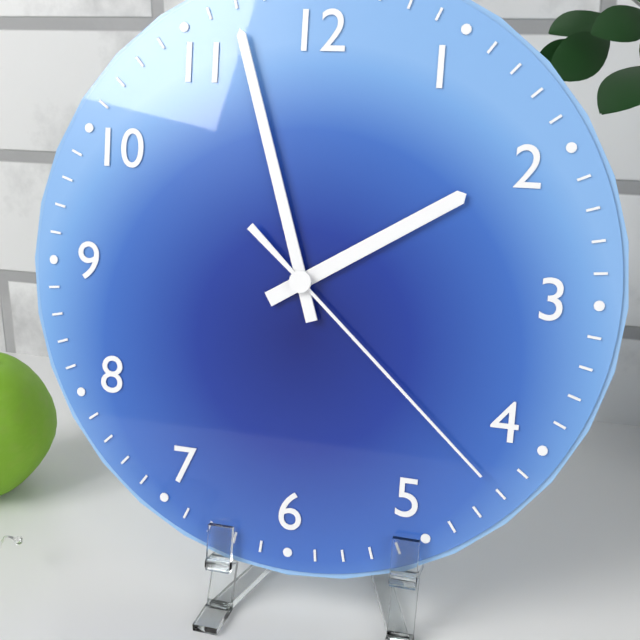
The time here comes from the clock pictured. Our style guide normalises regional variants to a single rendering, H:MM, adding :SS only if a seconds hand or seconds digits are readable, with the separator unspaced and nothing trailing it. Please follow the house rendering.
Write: 1:57:22
